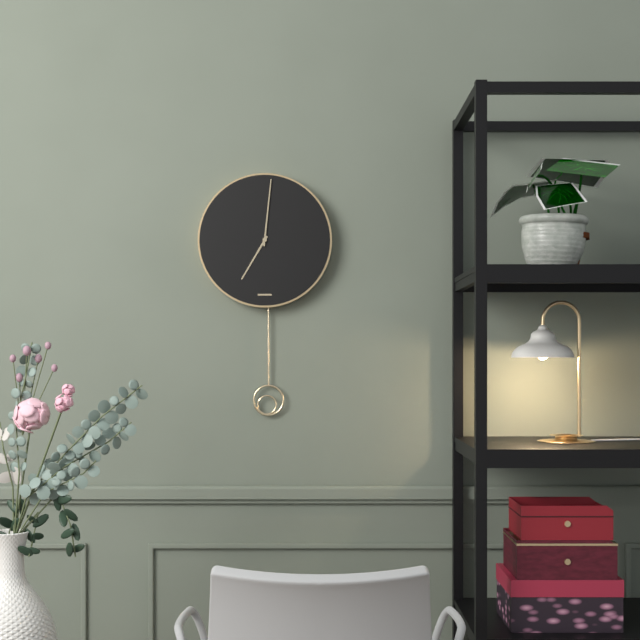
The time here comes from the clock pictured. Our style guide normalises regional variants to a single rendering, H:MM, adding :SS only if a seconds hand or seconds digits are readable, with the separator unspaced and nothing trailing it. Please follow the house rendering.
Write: 7:01
